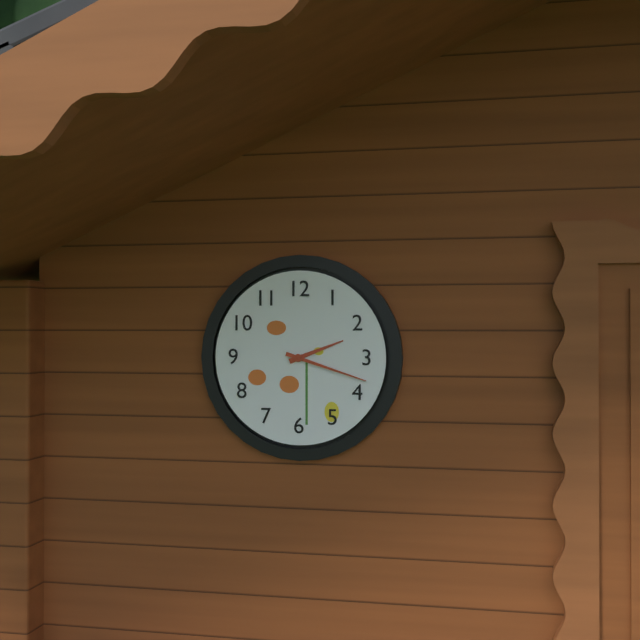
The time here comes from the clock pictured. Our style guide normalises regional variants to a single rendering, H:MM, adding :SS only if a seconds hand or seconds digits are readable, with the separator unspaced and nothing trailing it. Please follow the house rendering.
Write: 2:18
